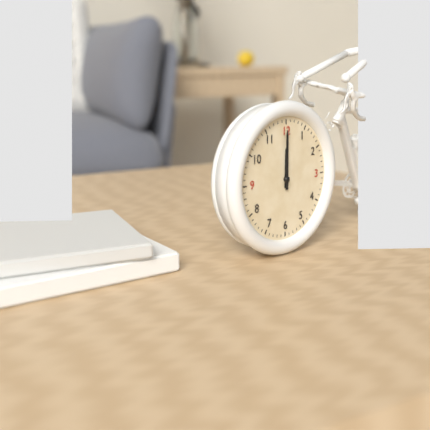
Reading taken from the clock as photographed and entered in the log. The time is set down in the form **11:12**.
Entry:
**12:00**
